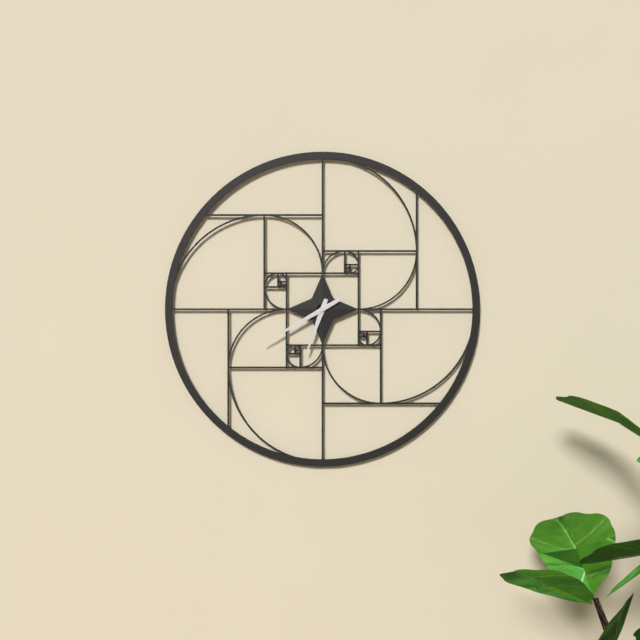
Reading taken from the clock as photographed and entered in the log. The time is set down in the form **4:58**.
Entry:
**6:40**
